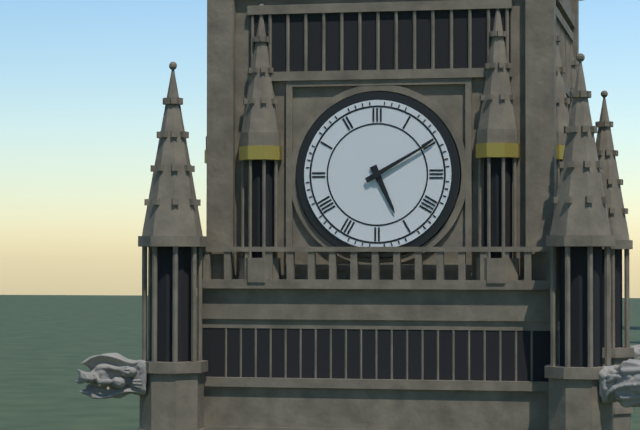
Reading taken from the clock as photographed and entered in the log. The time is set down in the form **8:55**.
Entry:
**5:10**
